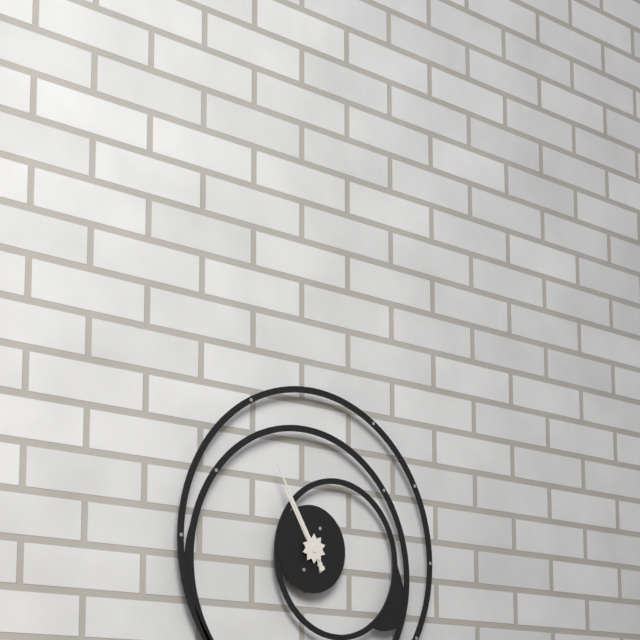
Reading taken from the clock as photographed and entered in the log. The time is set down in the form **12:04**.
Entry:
**10:55**
